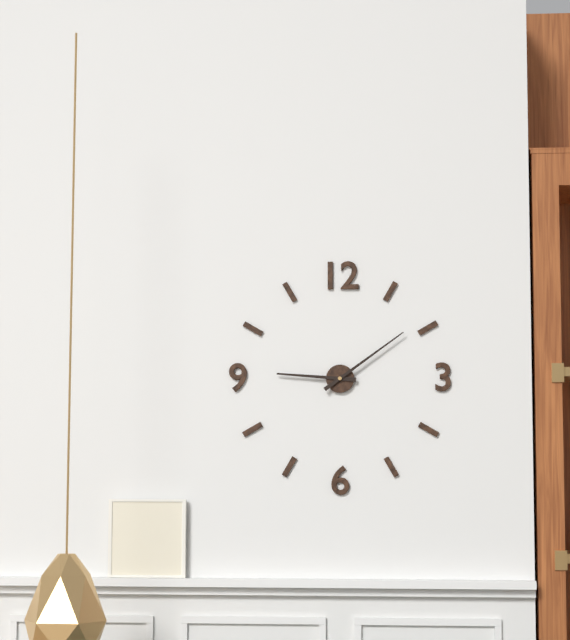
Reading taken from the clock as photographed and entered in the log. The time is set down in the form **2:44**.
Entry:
**9:09**
